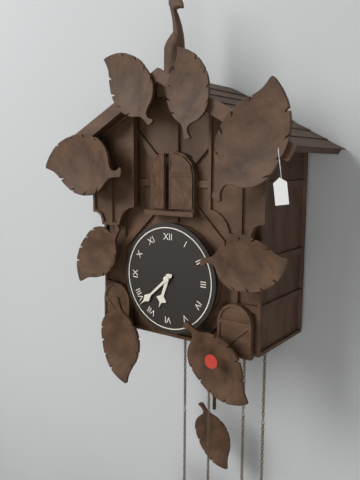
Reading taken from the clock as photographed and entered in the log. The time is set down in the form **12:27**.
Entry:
**6:38**
